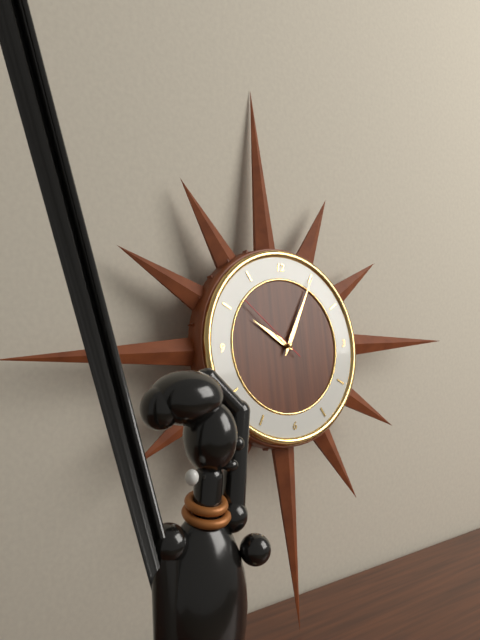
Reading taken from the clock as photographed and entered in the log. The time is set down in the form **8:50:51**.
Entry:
**10:05:52**
